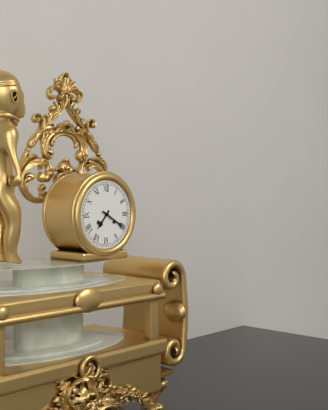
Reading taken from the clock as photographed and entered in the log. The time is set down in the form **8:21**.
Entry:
**7:20**
